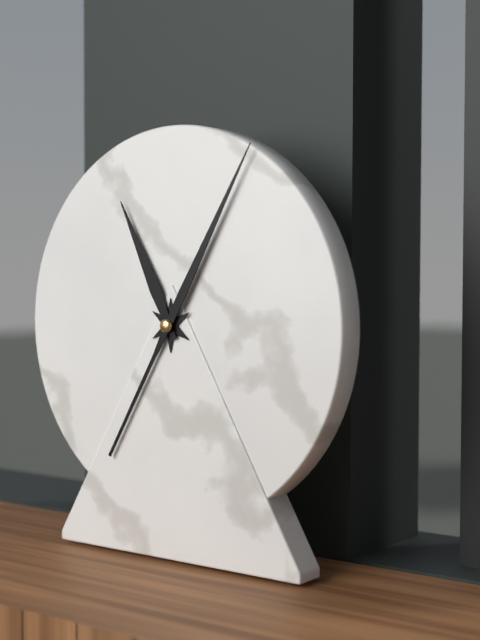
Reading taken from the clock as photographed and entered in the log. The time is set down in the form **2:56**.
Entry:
**11:05**
